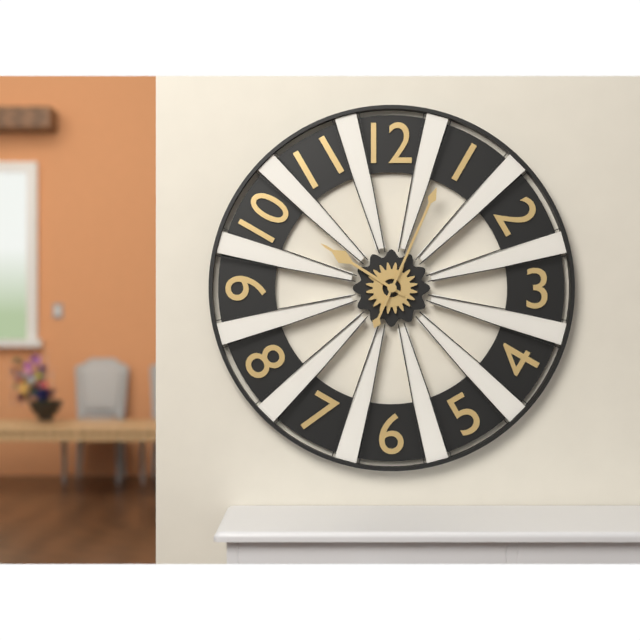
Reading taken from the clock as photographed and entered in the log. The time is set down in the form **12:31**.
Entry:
**10:04**
